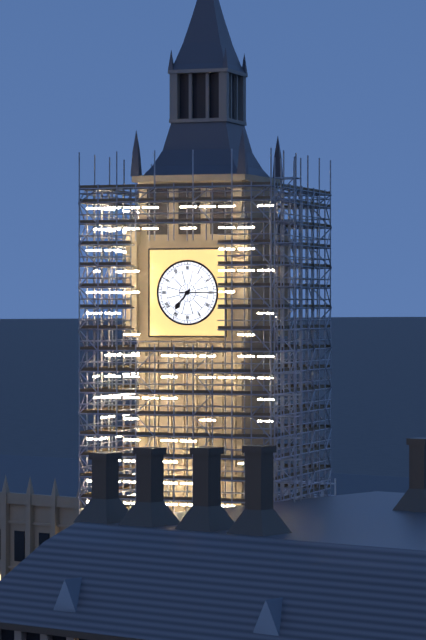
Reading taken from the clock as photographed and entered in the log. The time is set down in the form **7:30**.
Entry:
**7:15**
